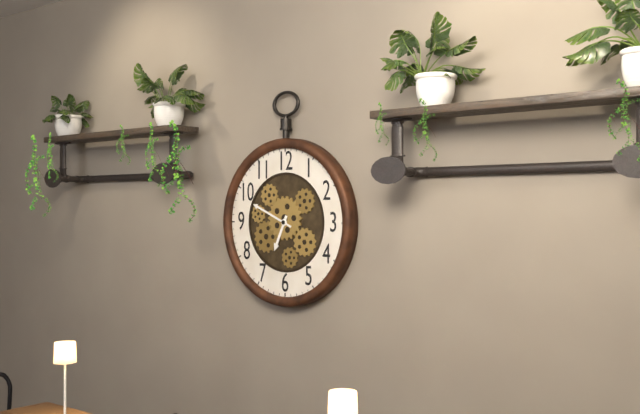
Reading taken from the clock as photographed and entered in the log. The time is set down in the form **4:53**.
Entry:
**6:49**
